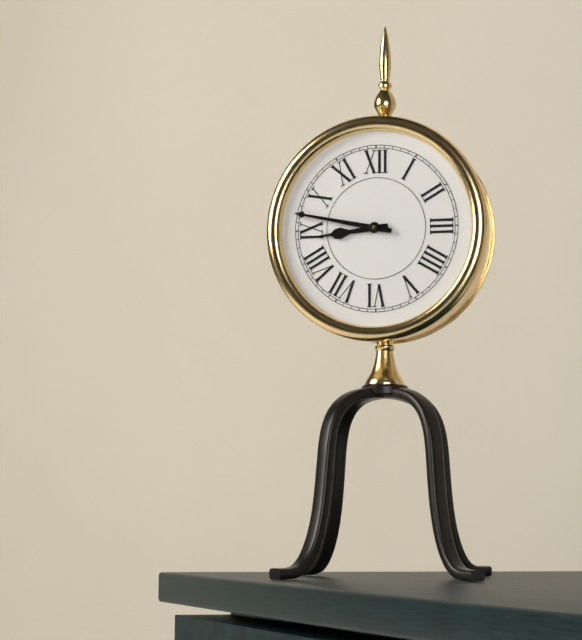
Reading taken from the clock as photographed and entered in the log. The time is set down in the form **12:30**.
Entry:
**8:47**
